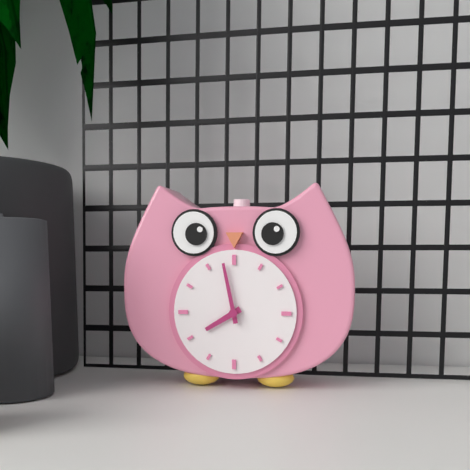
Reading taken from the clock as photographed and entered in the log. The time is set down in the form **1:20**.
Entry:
**7:58**
